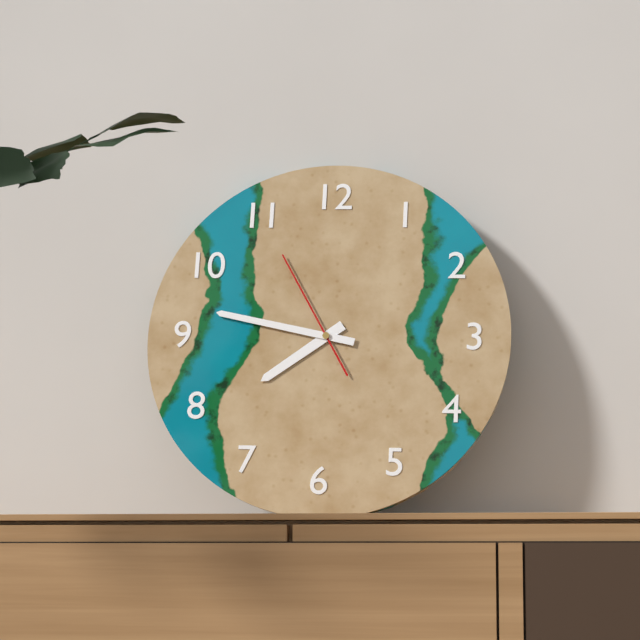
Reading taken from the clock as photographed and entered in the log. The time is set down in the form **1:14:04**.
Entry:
**7:47:55**
